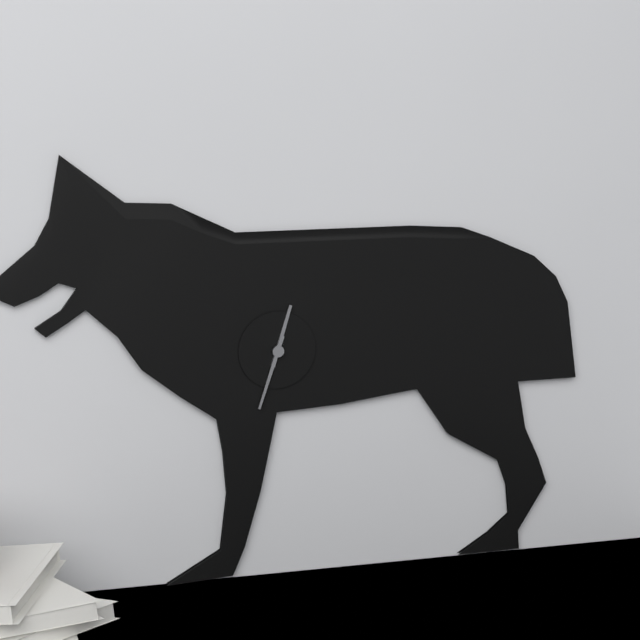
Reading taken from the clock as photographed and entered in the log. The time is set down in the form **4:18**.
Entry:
**12:33**
